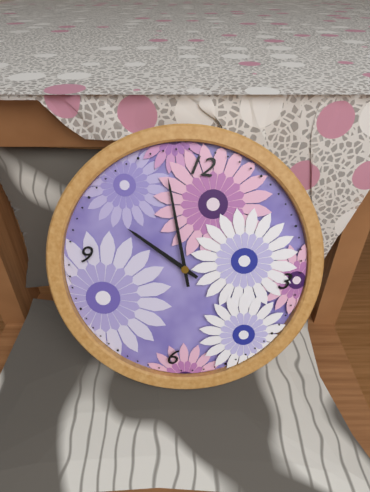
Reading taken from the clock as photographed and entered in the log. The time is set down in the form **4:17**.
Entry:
**9:57**
